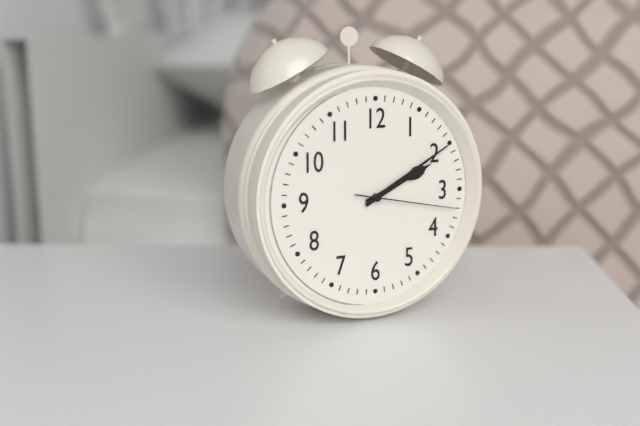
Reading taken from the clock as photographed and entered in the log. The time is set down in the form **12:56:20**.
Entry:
**2:10:17**
